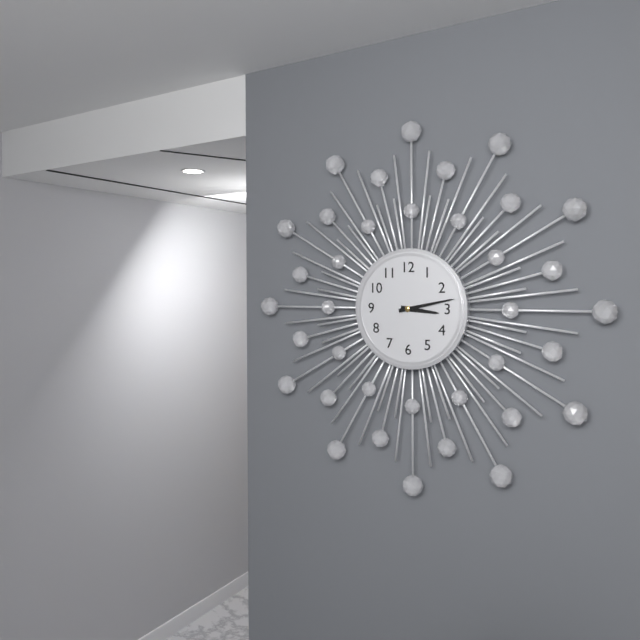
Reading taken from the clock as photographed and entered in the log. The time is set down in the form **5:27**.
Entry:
**3:13**
